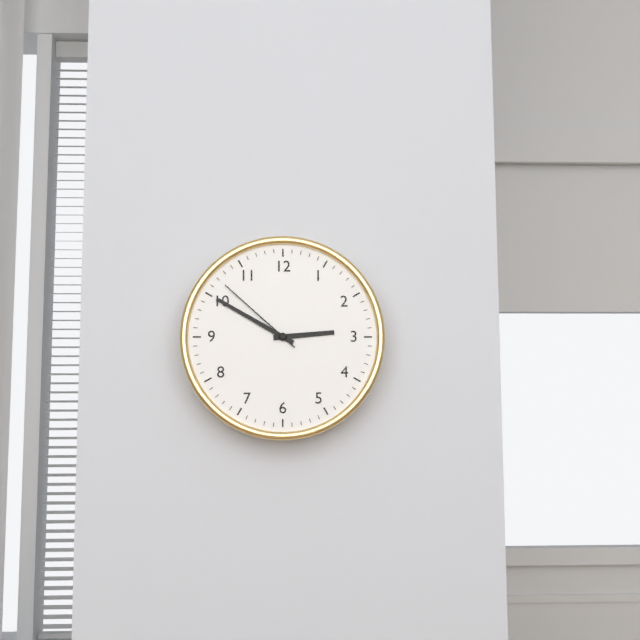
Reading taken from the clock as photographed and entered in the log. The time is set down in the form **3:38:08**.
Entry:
**2:50:52**
